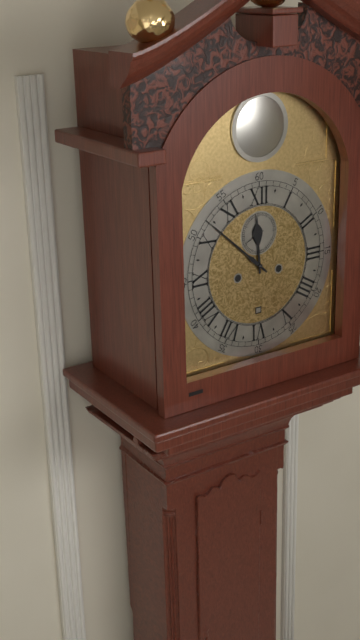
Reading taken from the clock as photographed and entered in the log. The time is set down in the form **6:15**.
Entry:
**11:52**
